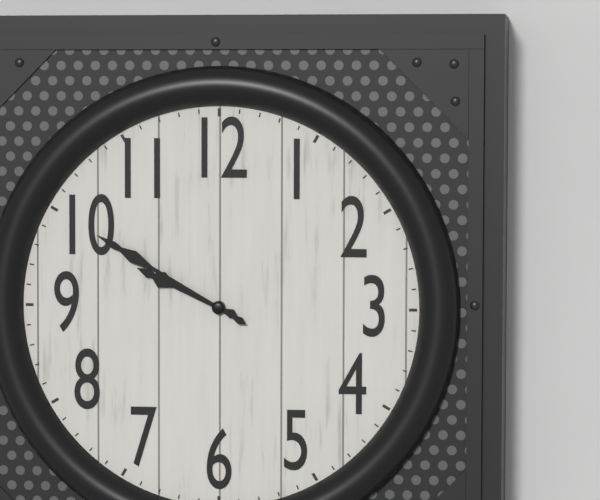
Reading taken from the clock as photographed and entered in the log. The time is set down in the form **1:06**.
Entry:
**9:50**
